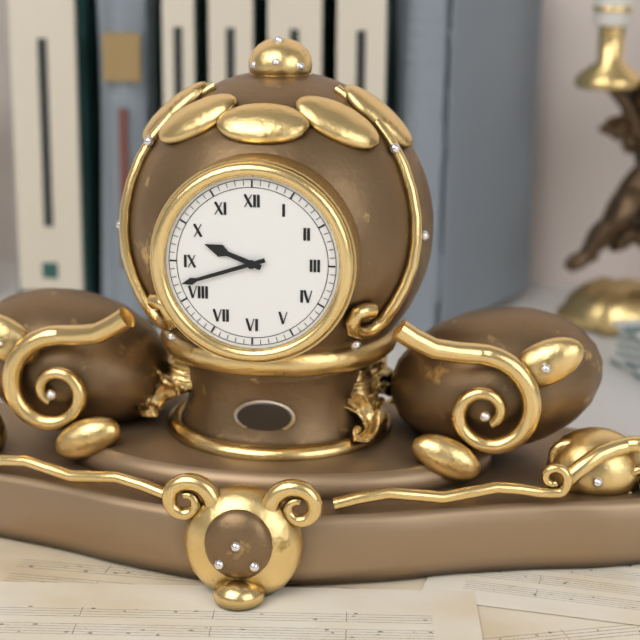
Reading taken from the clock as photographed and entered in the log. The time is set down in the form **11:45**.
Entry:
**9:42**
